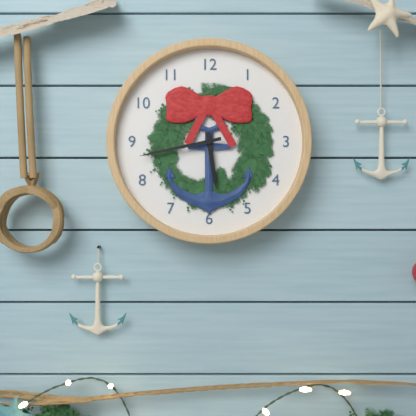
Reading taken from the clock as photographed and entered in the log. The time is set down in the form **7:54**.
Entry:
**5:43**
